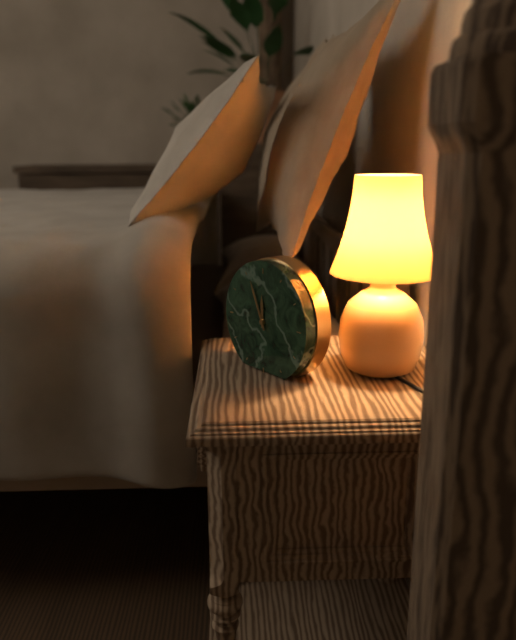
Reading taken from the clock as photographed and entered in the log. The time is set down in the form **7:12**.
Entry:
**11:56**
